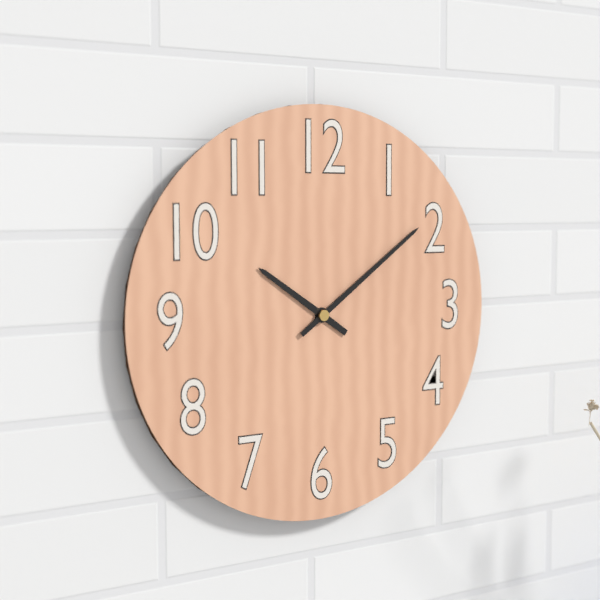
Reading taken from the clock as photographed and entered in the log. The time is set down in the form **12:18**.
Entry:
**10:09**
